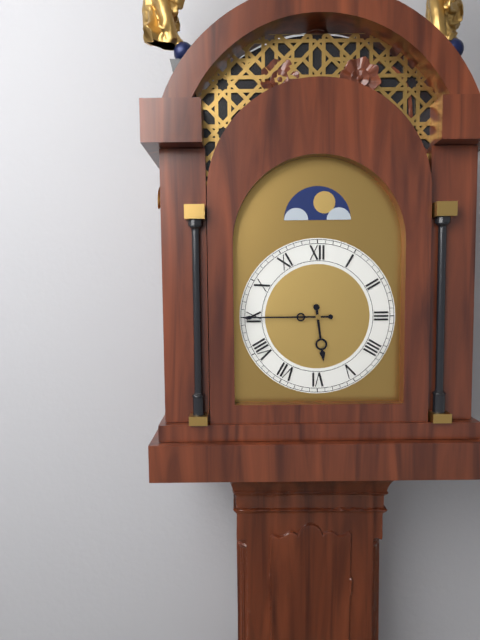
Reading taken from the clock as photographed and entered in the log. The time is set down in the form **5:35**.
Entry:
**5:45**
